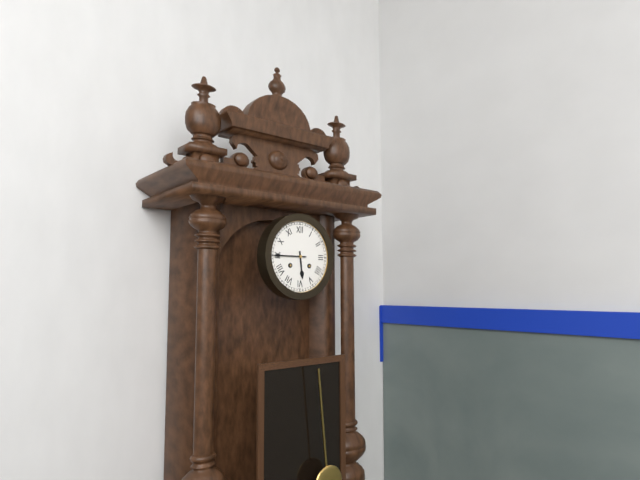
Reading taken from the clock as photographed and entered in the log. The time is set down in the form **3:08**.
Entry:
**5:45**
